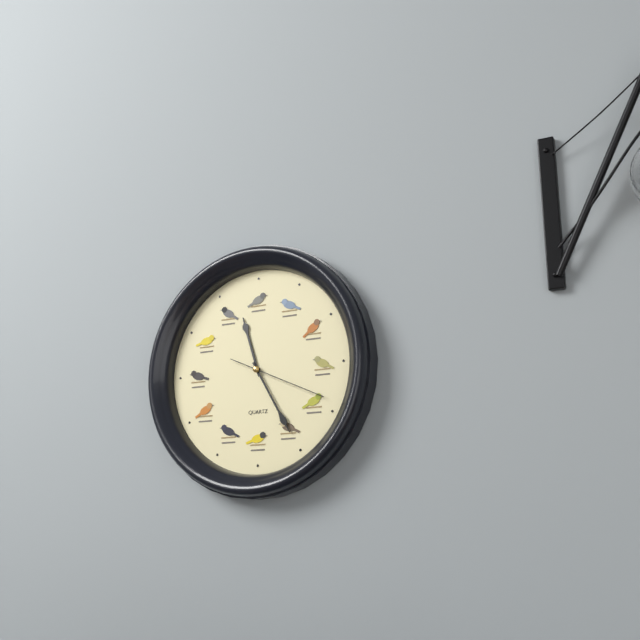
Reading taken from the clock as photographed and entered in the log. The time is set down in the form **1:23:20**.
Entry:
**11:25:19**
